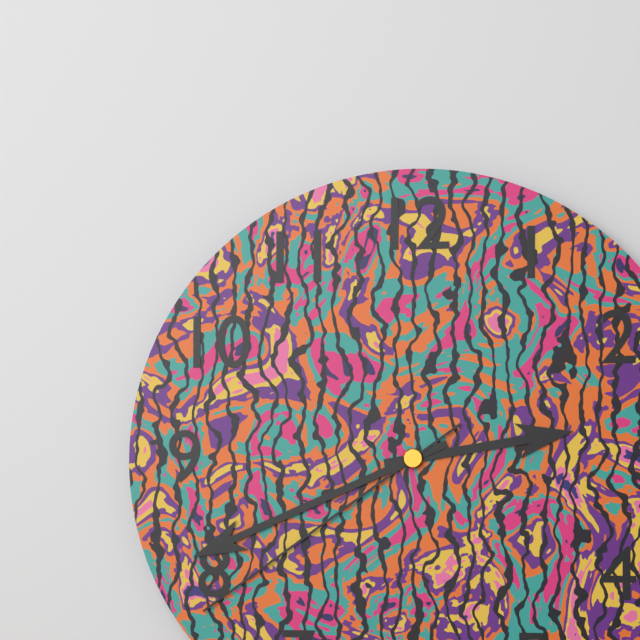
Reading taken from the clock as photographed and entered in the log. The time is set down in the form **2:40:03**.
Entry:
**2:41:39**
